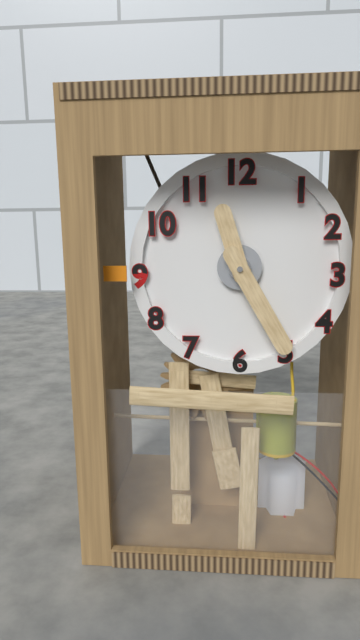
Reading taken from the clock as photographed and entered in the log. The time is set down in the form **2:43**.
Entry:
**11:25**
